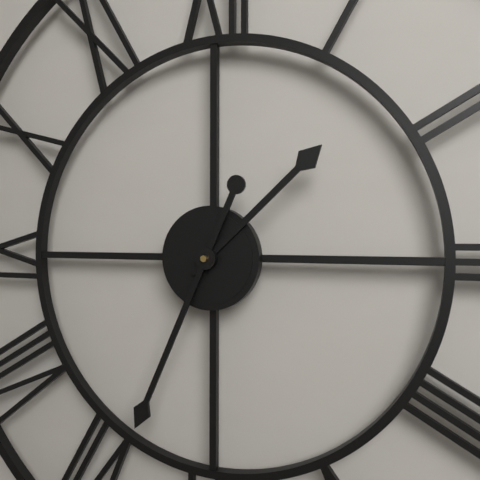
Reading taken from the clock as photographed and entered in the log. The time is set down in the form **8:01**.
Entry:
**1:34**
